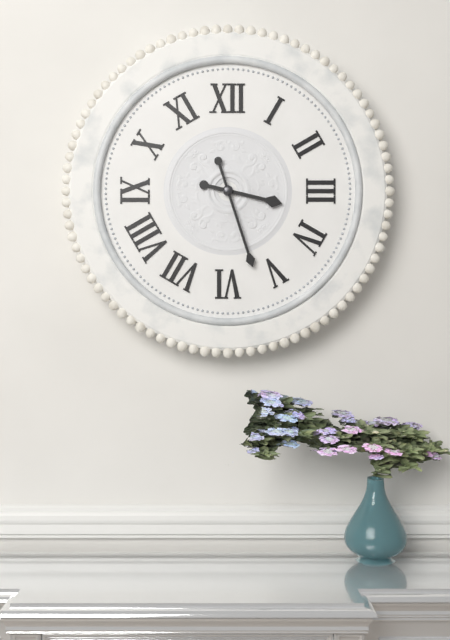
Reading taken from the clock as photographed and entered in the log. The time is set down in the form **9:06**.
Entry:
**3:27**
